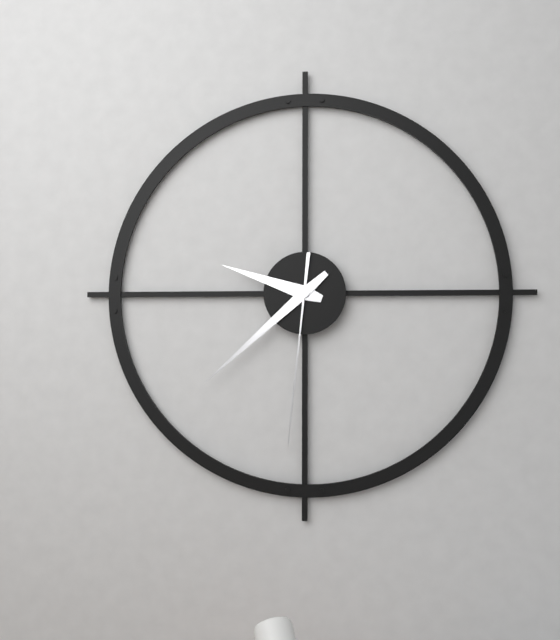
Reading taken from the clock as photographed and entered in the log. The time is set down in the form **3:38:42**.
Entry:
**9:38:31**
